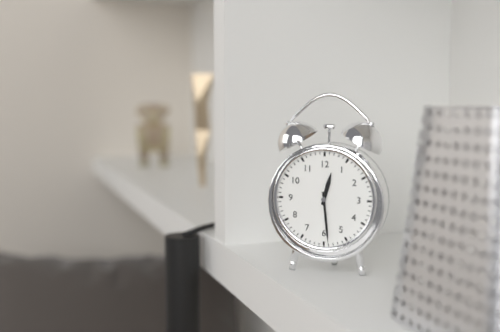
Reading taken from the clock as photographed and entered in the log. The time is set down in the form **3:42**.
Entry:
**12:29**
